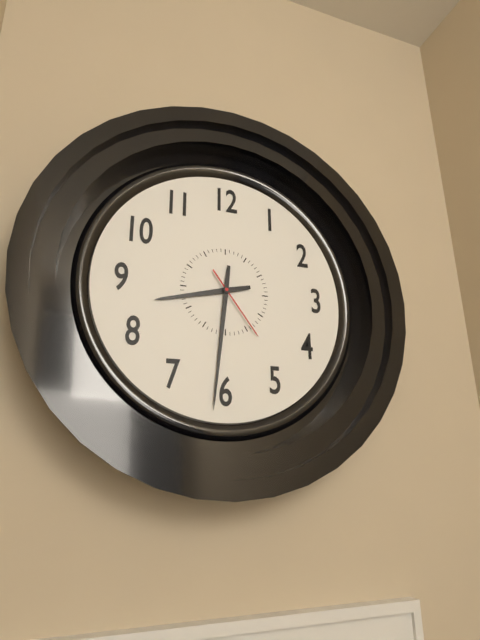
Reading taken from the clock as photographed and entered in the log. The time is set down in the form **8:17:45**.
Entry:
**8:31:24**
